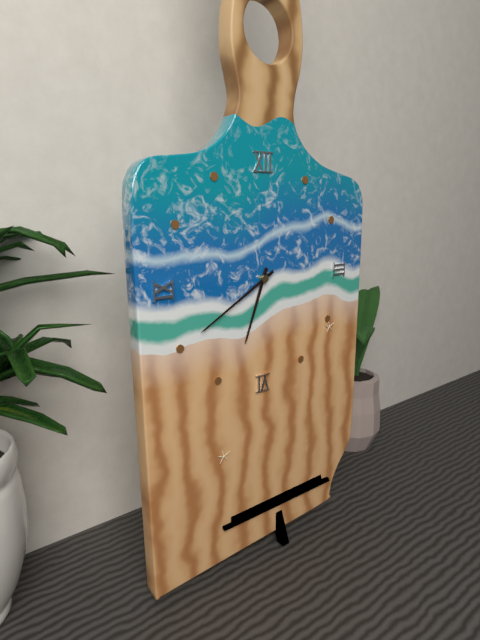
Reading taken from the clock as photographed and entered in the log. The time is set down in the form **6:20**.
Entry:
**6:40**
